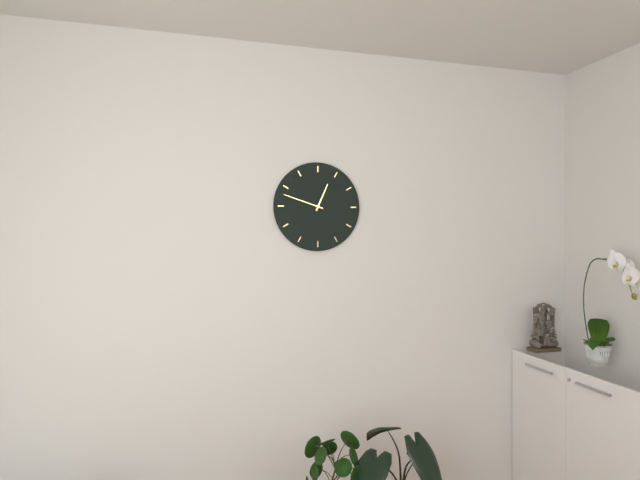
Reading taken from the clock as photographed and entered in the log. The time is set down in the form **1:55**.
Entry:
**12:48**
